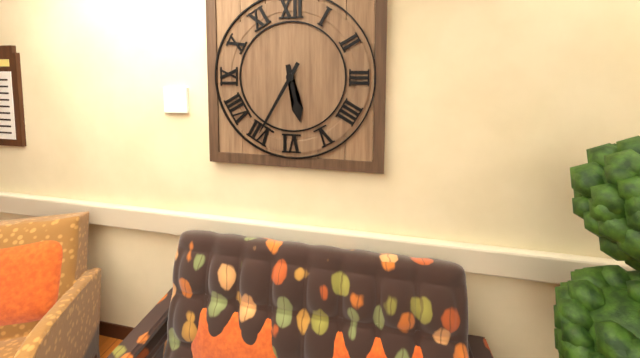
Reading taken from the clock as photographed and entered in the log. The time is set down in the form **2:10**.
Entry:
**5:35**
